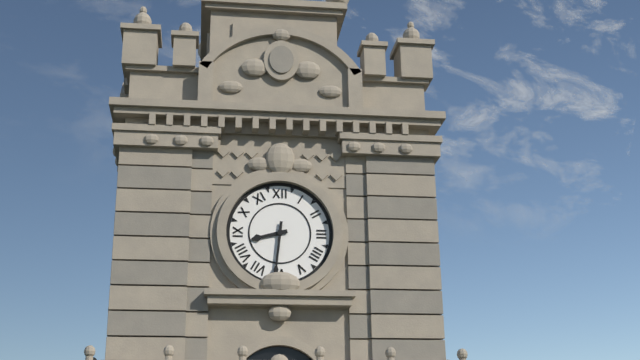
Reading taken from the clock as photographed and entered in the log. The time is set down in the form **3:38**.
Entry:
**8:31**
